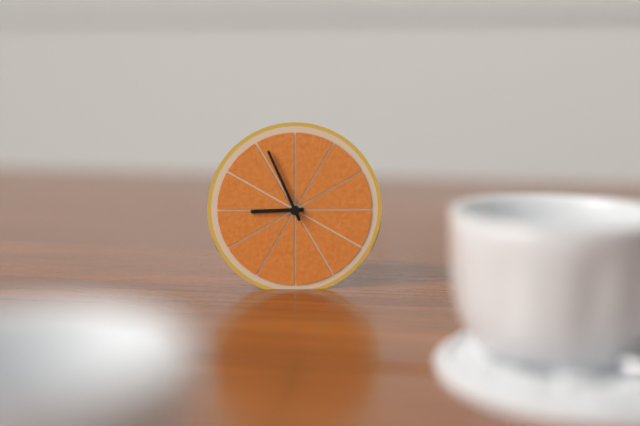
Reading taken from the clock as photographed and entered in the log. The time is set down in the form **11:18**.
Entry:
**8:56**
